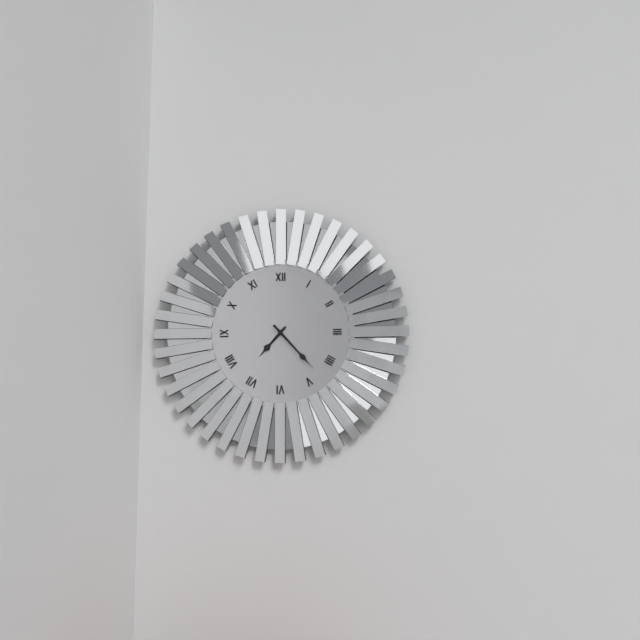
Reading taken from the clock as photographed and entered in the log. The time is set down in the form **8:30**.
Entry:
**7:23**
